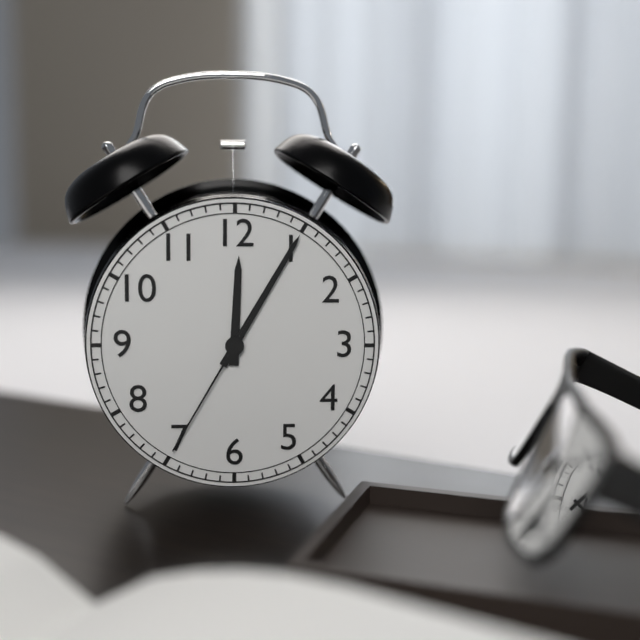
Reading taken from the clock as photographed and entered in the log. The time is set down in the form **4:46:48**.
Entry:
**12:05:35**
